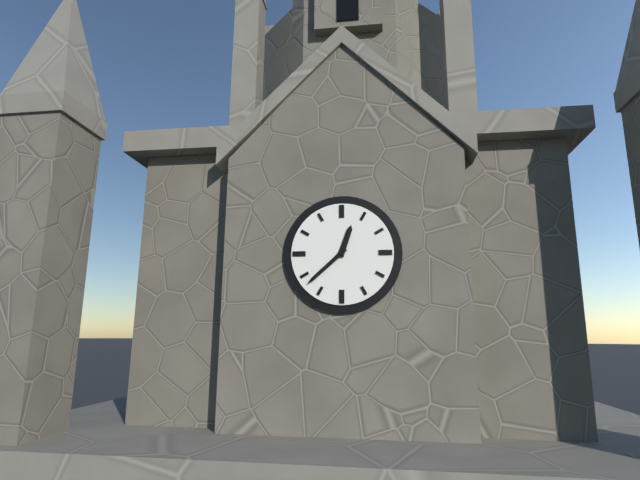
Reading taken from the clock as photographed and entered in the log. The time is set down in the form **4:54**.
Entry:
**12:38**
